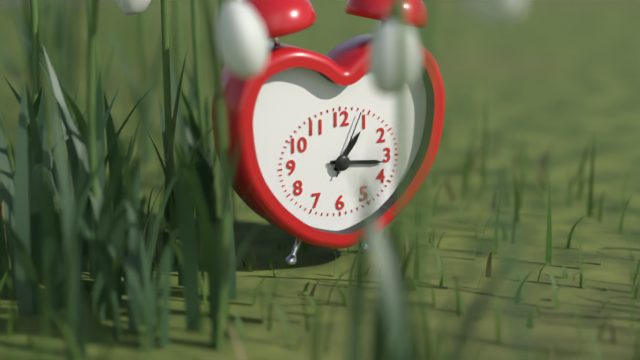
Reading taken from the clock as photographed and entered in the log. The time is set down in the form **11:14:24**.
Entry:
**1:16:04**
